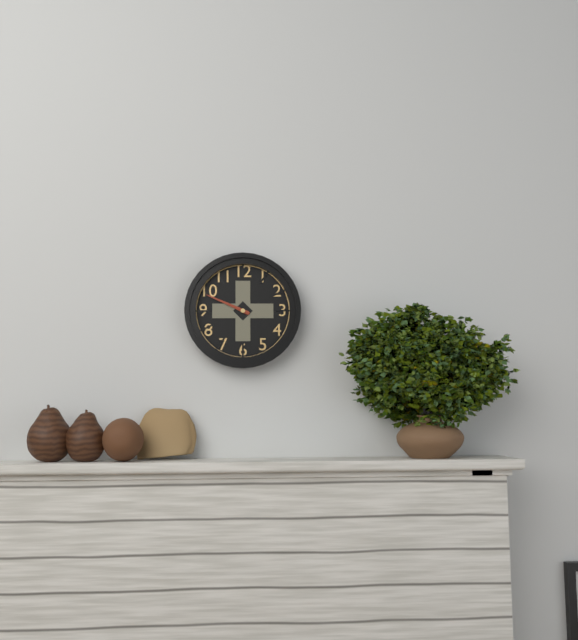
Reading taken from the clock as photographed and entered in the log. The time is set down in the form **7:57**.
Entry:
**9:49**
